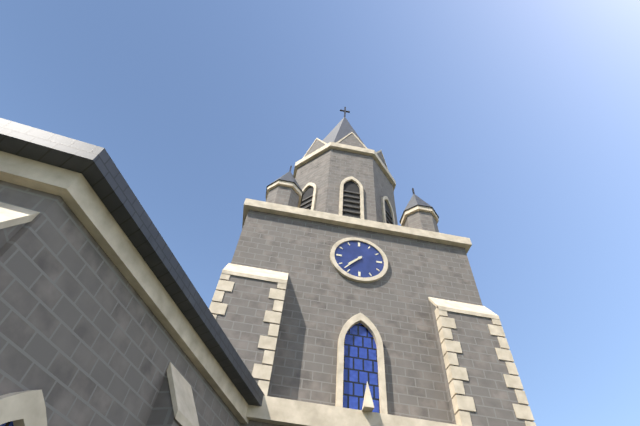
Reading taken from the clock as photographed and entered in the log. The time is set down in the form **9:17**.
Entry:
**7:37**
